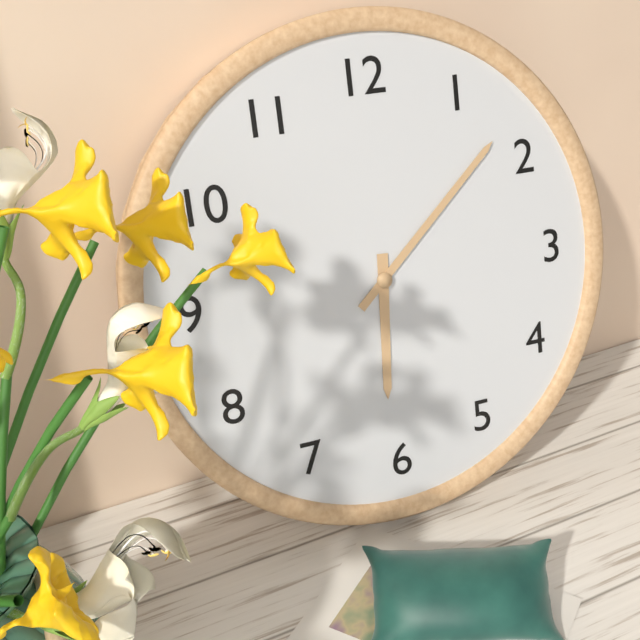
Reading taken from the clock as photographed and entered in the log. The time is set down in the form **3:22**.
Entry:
**6:08**
